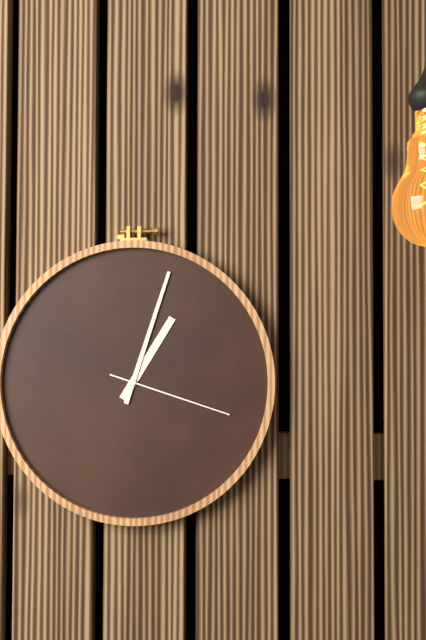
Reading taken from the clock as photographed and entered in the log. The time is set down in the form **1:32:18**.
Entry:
**1:03:18**
